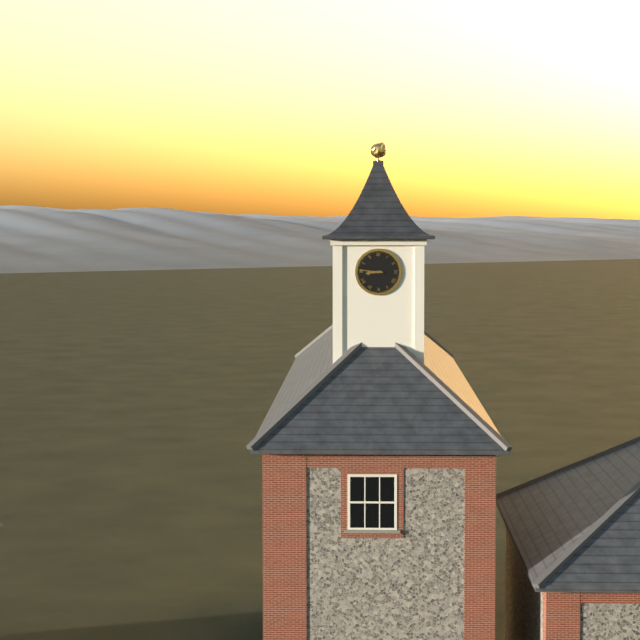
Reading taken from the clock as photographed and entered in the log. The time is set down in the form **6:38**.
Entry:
**8:46**
